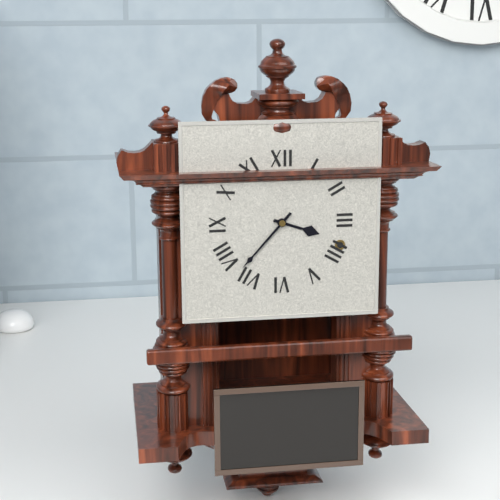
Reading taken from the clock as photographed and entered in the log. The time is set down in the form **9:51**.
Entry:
**3:37**
